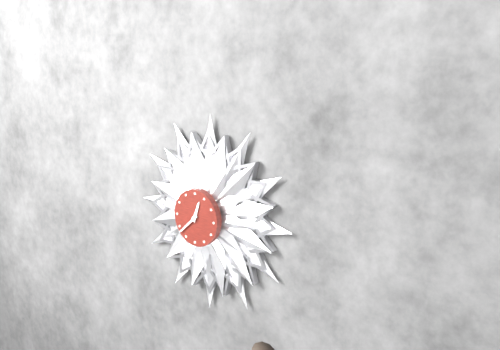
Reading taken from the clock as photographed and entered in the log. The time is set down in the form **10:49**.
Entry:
**12:38**
